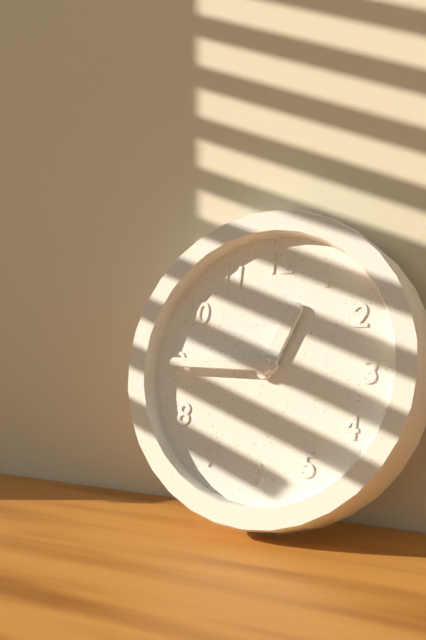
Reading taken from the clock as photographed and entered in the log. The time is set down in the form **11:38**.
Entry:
**12:45**
